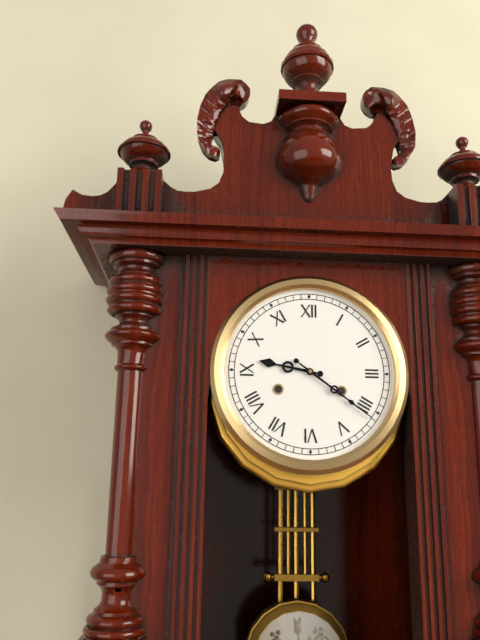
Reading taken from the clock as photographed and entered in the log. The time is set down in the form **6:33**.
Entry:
**9:21**
